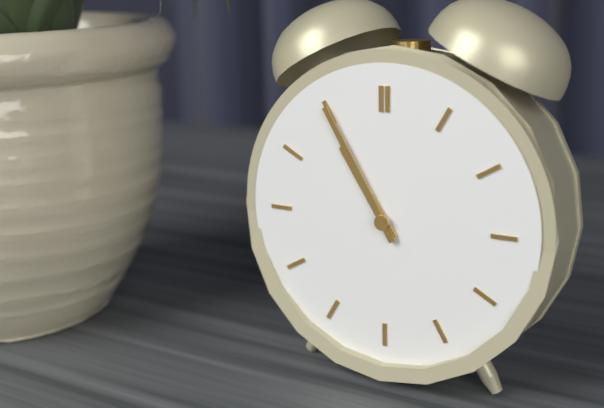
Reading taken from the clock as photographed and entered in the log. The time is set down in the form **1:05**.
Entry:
**10:55**
